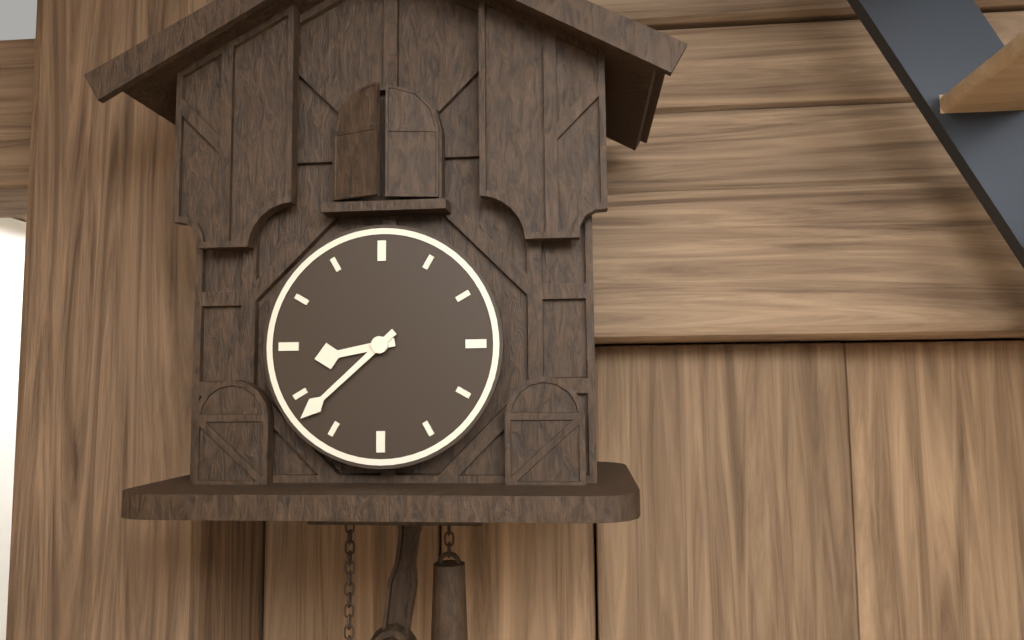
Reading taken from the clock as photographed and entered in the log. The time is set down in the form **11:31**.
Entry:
**8:38**
